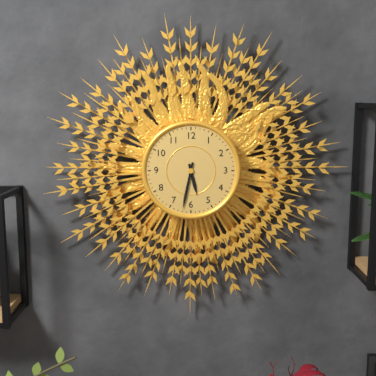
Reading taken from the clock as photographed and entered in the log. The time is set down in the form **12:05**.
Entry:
**5:32**
